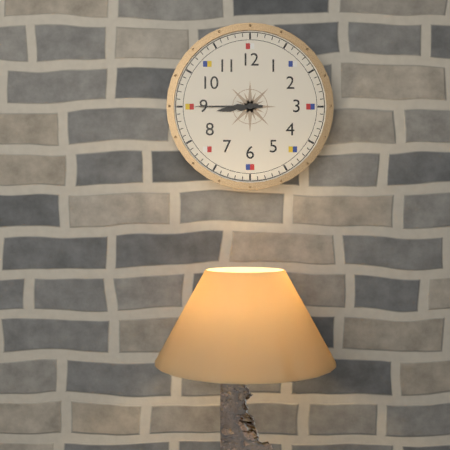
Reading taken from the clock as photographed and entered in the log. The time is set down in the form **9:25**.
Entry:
**8:45**
